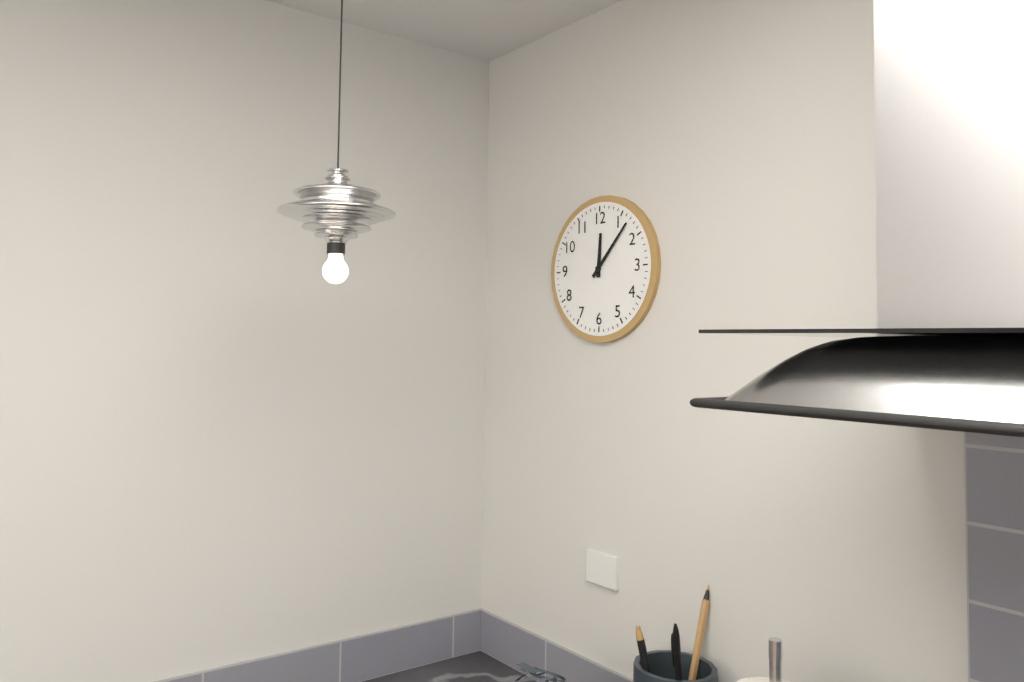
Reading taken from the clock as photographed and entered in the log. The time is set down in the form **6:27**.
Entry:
**12:07**
